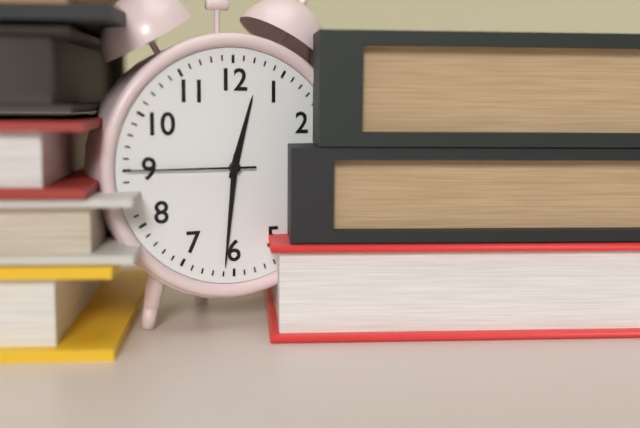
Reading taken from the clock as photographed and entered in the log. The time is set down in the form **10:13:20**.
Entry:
**12:31:45**
